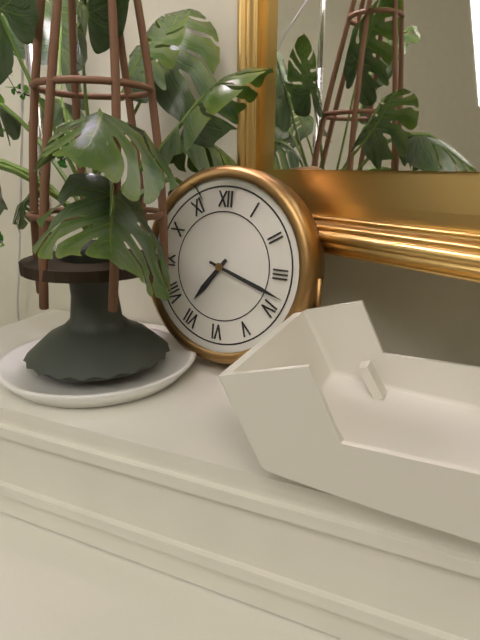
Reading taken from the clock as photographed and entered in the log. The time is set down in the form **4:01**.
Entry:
**7:18**
